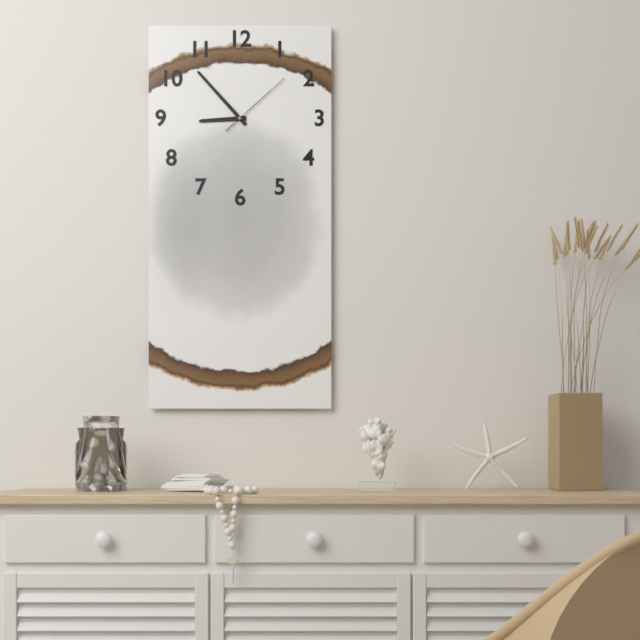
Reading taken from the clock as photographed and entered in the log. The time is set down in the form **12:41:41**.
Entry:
**8:53:08**
